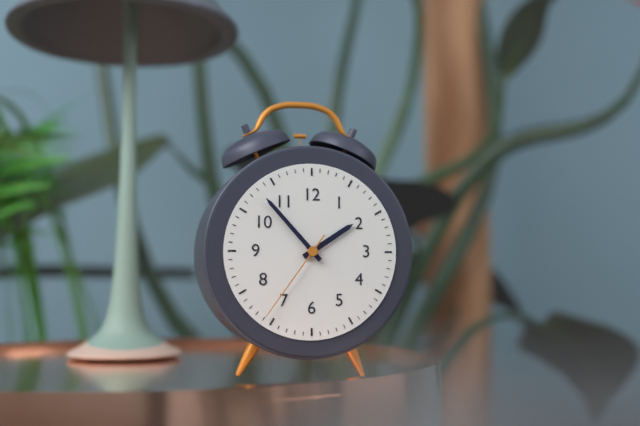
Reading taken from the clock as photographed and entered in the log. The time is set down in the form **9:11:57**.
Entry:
**1:53:36**
